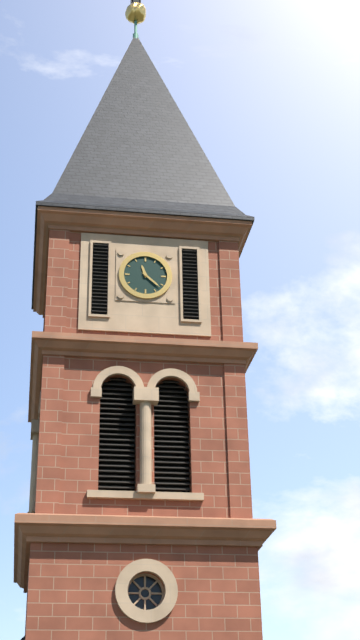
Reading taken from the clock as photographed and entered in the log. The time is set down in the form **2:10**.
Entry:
**11:22**
